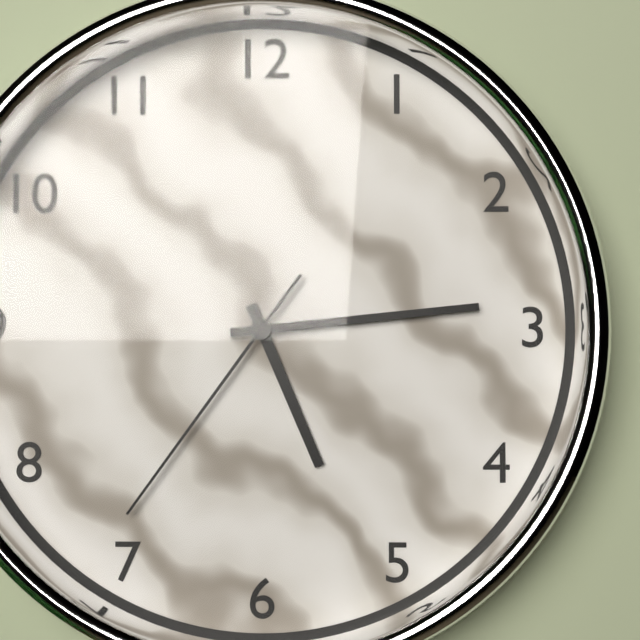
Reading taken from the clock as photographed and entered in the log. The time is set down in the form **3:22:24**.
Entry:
**5:14:36**
